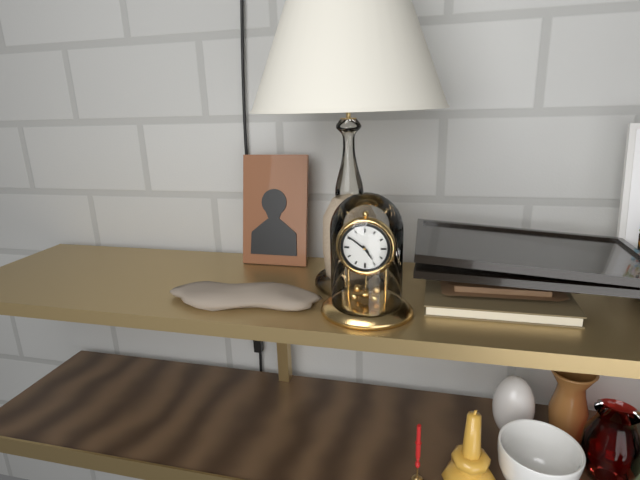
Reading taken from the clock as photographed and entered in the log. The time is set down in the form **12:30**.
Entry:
**4:51**
